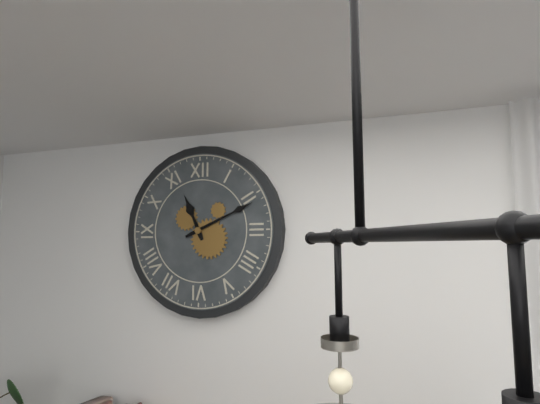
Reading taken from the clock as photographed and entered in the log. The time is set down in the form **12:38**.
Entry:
**11:11**
